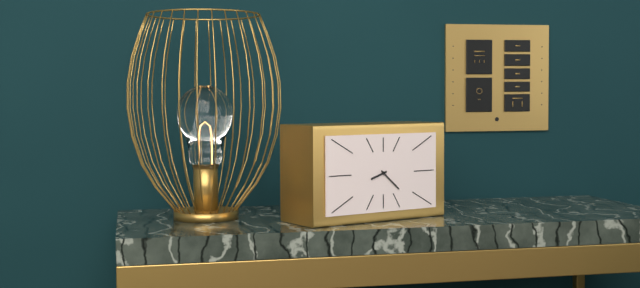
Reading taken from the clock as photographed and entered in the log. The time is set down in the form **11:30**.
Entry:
**8:22**
